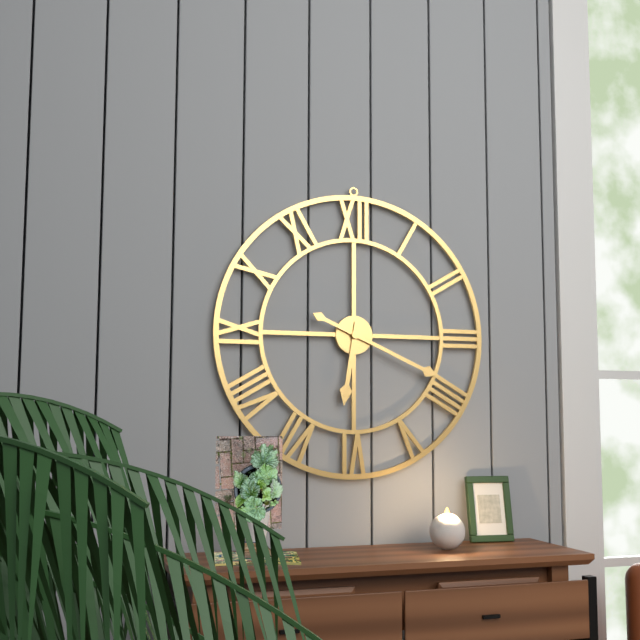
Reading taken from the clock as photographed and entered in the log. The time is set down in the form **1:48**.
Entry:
**6:19**
